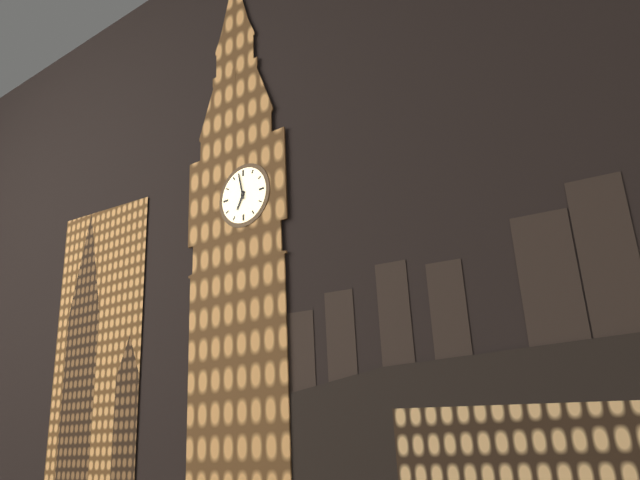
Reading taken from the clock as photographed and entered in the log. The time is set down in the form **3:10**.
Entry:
**6:58**
